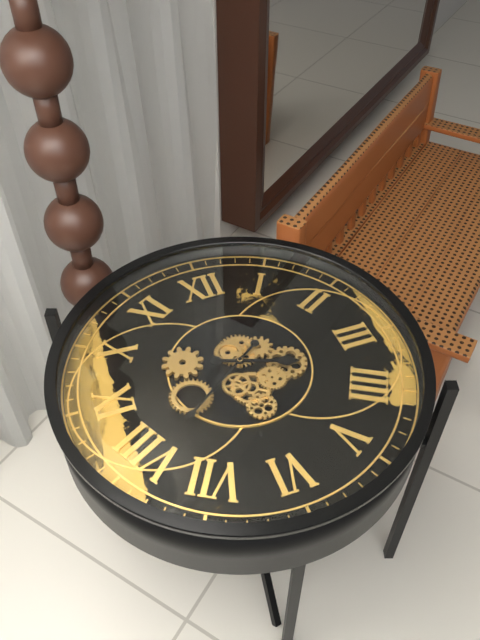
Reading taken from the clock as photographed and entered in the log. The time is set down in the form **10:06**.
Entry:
**3:39**
